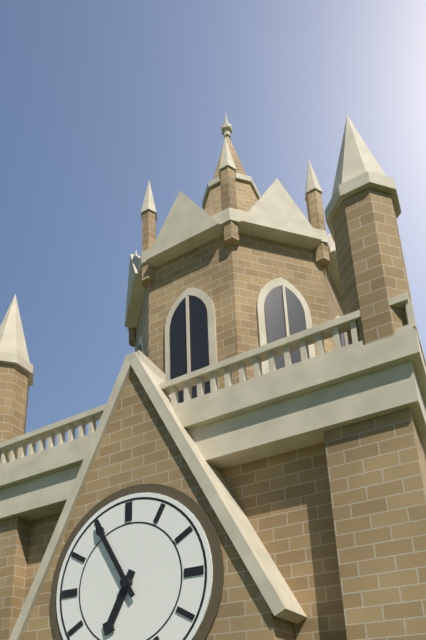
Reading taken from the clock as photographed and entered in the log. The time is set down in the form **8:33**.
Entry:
**6:55**
